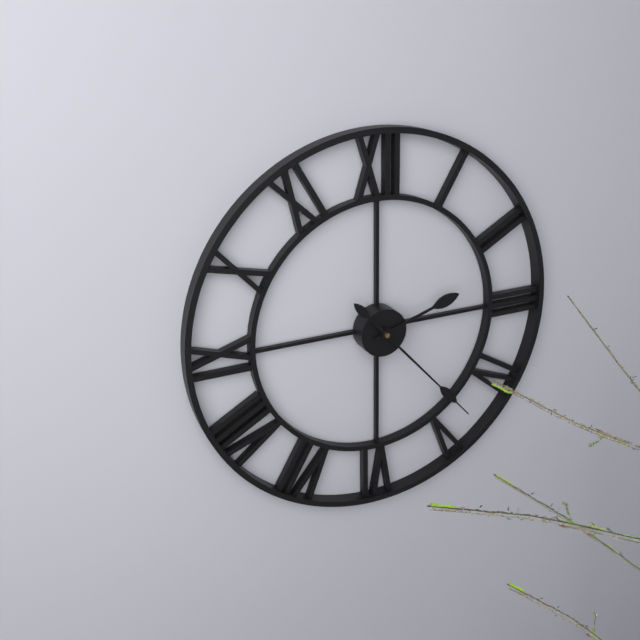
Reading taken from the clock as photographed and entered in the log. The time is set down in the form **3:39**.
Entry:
**2:23**
